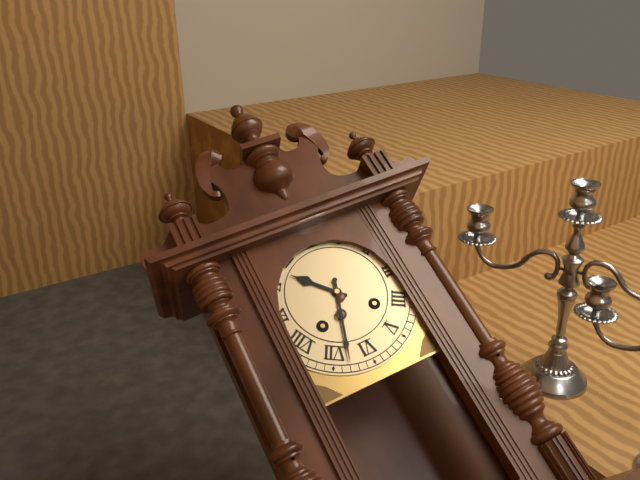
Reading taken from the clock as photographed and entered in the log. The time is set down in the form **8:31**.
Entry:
**10:33**
